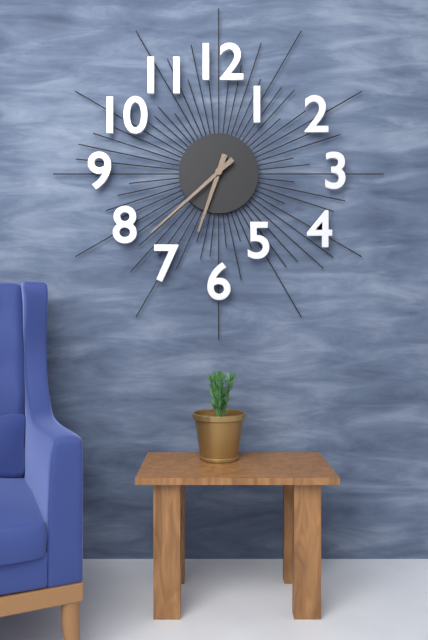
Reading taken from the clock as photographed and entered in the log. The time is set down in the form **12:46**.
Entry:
**6:38**
